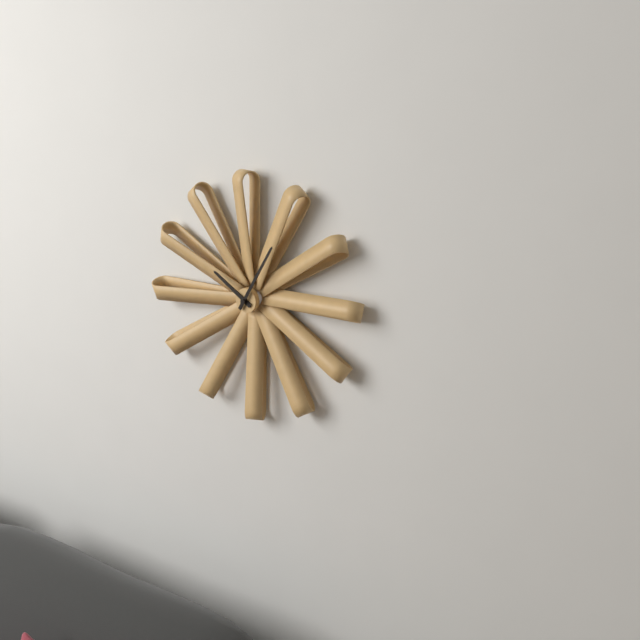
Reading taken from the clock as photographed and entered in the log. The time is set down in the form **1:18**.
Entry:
**10:05**
